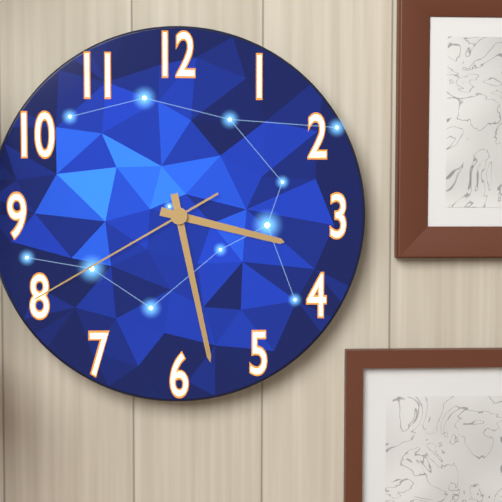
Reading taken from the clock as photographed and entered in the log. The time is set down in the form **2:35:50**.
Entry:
**3:28:40**
